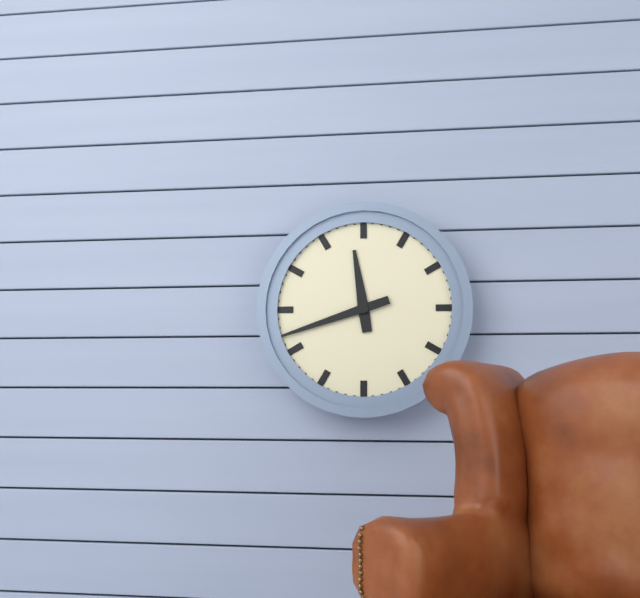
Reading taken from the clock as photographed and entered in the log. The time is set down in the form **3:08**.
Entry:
**11:42**
